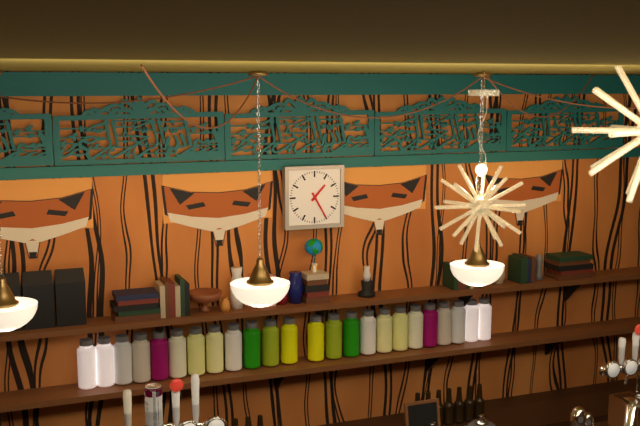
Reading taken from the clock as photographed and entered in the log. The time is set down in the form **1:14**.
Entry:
**1:25**
